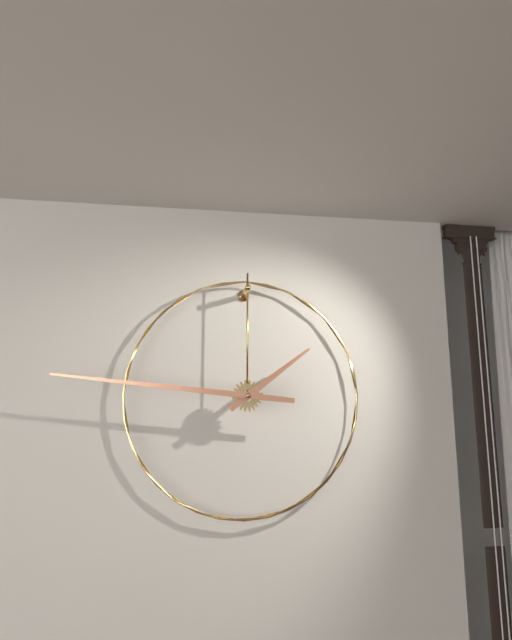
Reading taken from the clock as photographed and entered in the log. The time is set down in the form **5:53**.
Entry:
**1:46**
